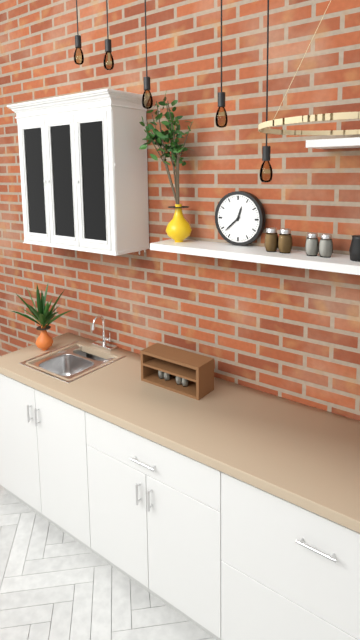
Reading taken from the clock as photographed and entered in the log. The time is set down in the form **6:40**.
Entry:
**12:38**
